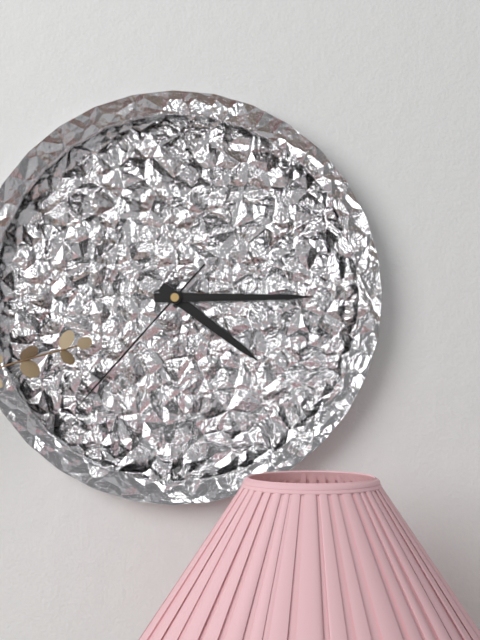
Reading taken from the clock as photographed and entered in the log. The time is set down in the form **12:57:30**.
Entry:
**4:15:37**
